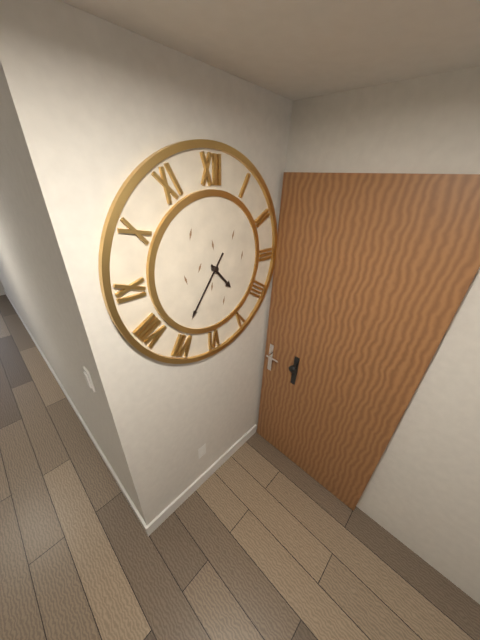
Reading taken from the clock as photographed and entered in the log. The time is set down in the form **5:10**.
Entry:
**4:36**
